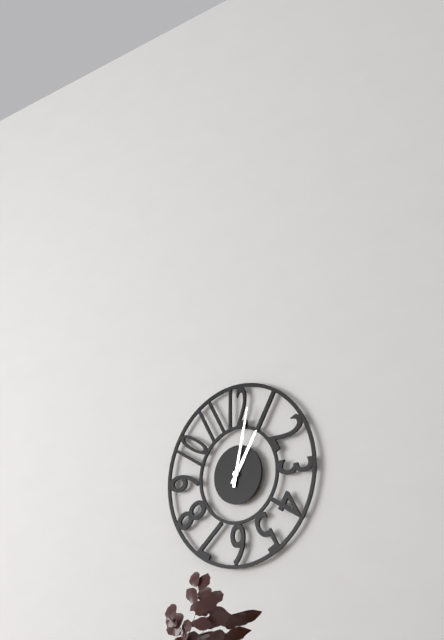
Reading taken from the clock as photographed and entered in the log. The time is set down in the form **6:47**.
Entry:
**1:02**
